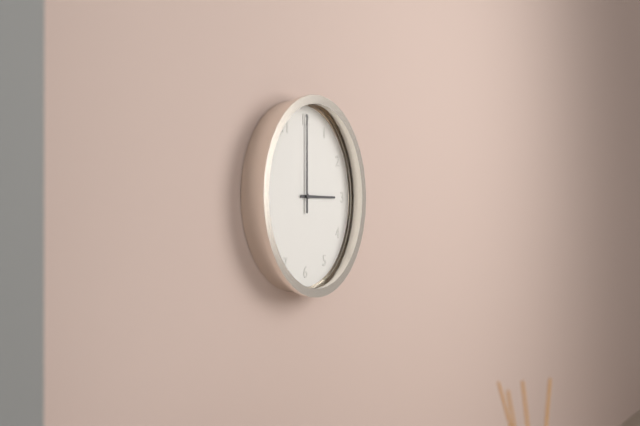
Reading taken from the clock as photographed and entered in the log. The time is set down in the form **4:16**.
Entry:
**3:00**
